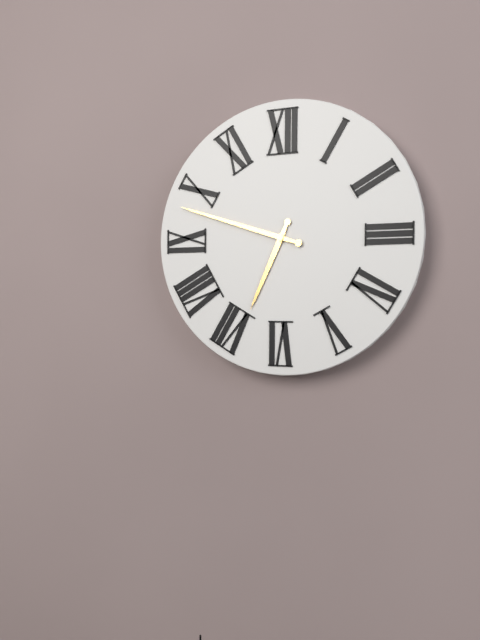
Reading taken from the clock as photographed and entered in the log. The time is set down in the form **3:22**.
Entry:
**6:48**
